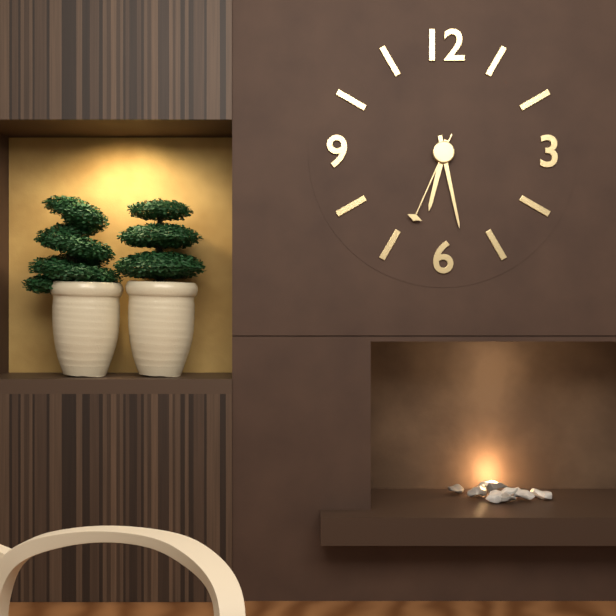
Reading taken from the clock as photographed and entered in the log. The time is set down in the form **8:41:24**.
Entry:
**6:28:34**
